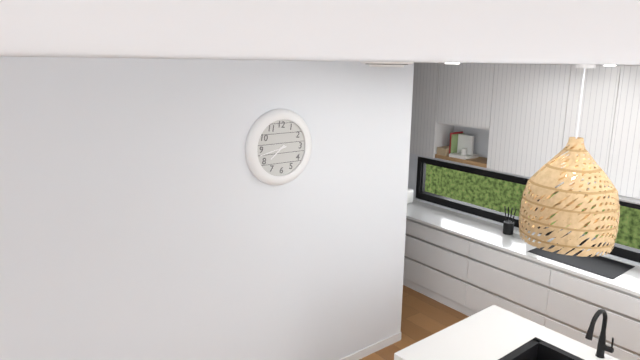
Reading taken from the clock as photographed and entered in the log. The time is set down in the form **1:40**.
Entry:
**7:43**
